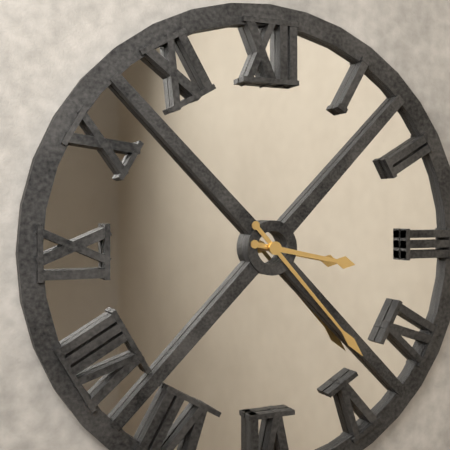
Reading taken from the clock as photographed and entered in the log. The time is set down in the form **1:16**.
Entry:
**3:23**
